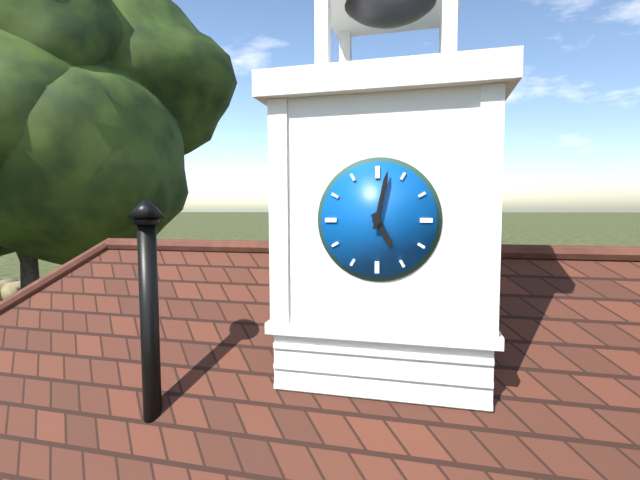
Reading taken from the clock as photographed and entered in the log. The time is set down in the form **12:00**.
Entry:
**5:02**
